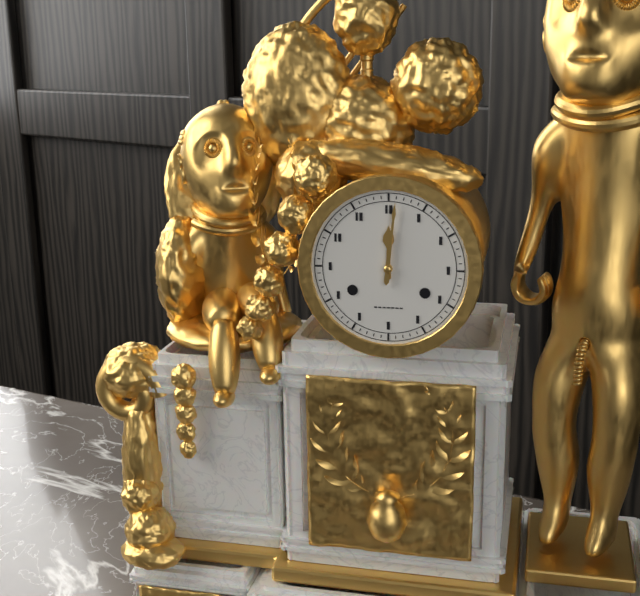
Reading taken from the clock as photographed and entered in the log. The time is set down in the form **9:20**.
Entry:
**12:01**
